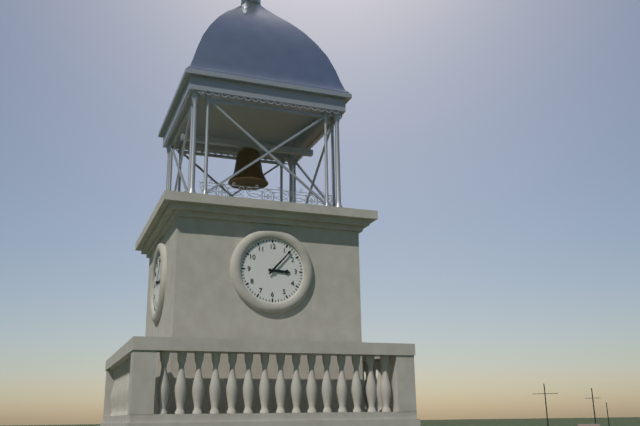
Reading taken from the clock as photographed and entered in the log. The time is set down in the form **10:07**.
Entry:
**3:07**
